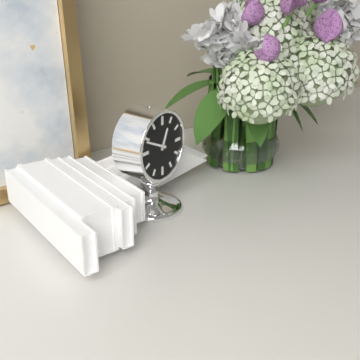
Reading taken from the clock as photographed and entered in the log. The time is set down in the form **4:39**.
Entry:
**12:49**
